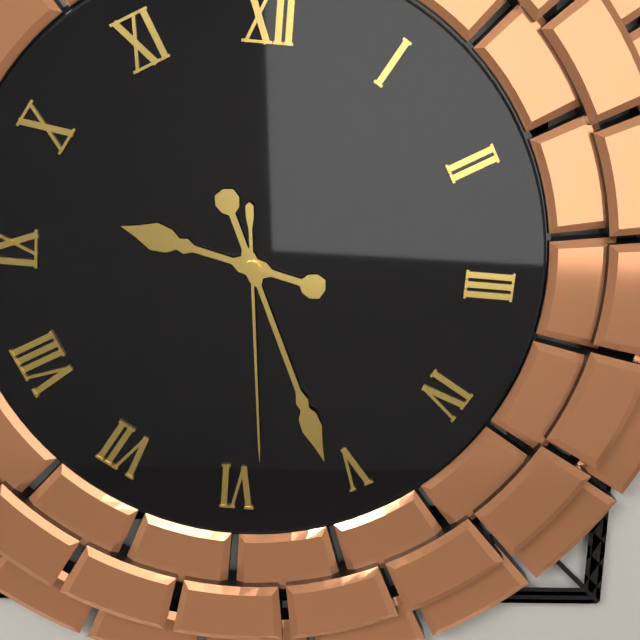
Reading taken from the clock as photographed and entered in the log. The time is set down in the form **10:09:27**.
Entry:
**9:26:29**
